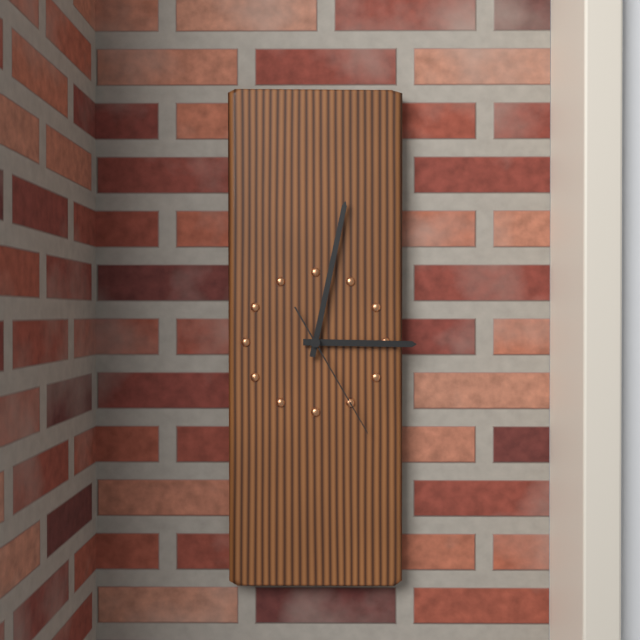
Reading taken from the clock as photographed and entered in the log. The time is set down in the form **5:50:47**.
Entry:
**3:02:25**
